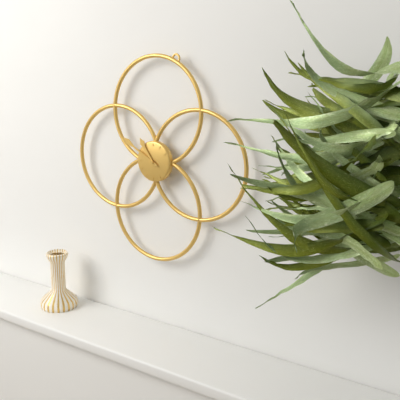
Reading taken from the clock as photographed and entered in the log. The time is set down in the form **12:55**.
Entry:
**10:50**
